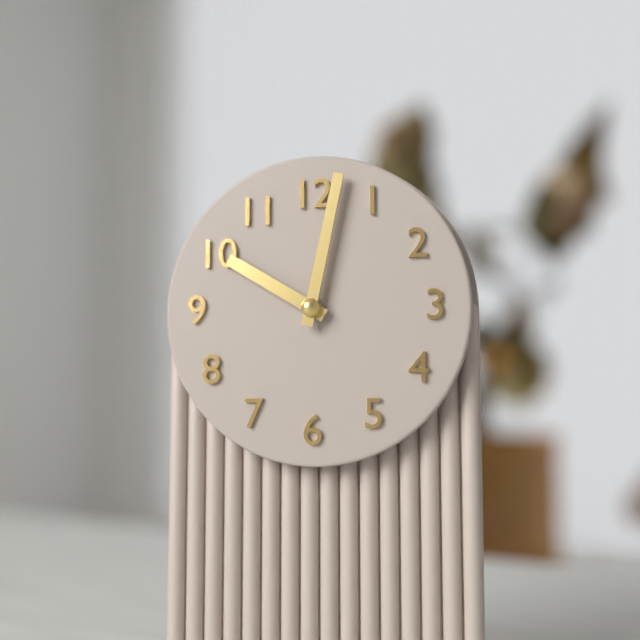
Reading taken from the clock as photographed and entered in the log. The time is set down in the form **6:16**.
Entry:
**10:02**
